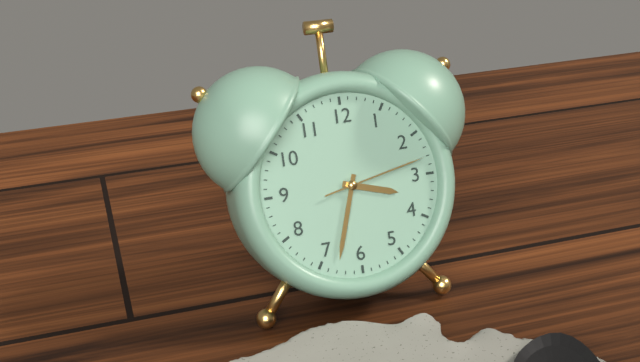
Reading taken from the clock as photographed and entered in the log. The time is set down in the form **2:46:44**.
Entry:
**3:33:13**
